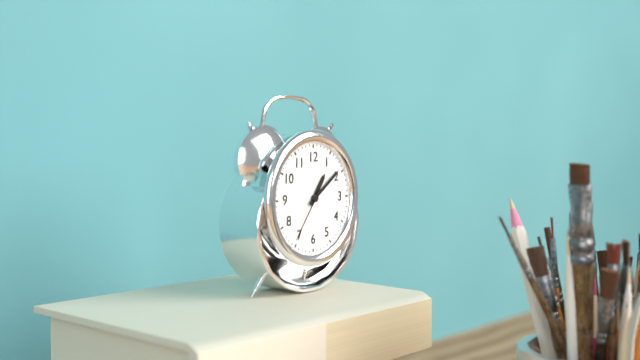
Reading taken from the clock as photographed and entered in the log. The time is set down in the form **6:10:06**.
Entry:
**1:09:36**
